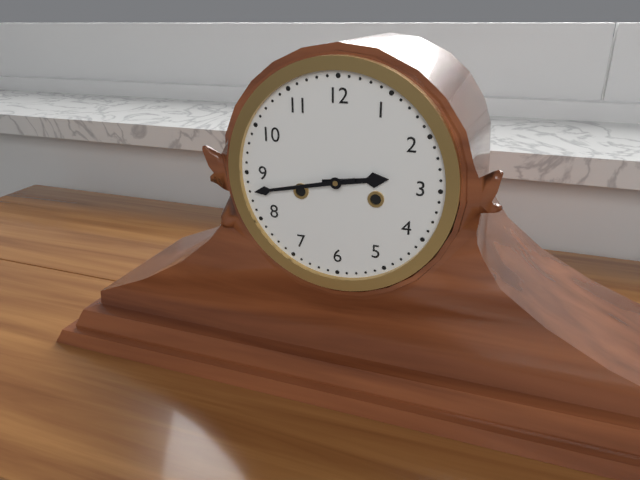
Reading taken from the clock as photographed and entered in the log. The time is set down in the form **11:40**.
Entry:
**2:43**
